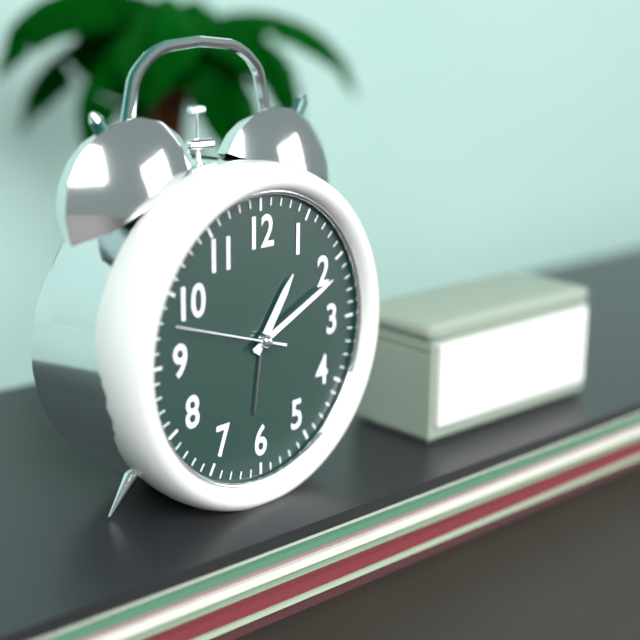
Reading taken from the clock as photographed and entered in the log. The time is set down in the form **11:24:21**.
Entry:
**1:11:48**
